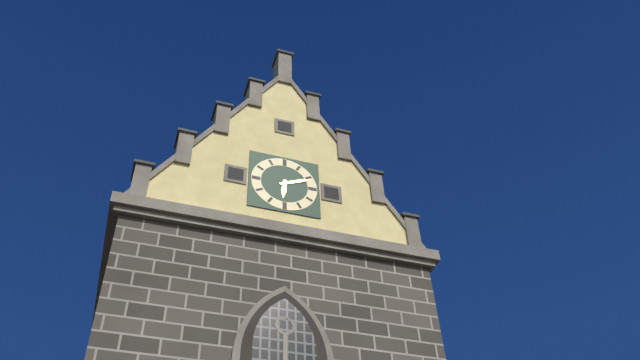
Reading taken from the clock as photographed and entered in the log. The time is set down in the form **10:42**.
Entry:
**6:11**
